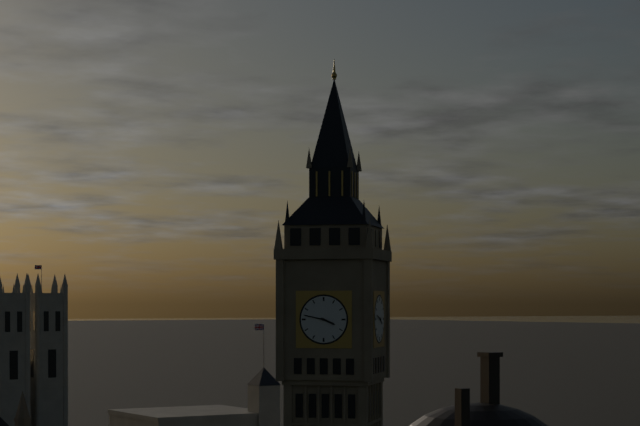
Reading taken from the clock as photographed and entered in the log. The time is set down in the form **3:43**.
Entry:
**3:47**
